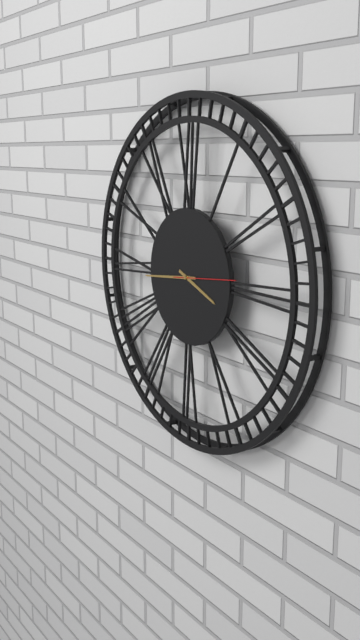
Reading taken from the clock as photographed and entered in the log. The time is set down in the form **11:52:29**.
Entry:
**3:44:14**
